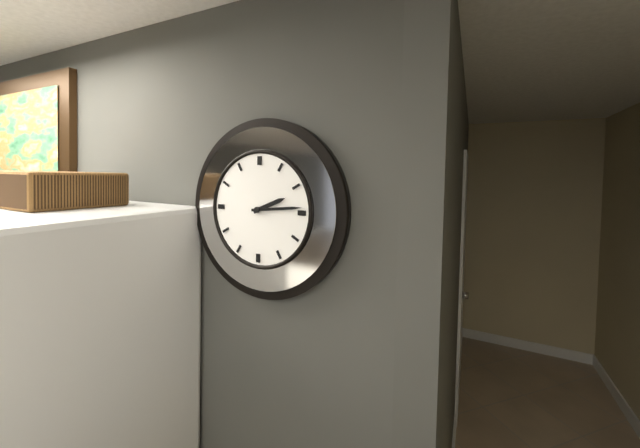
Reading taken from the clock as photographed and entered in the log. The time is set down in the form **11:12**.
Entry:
**2:14**
